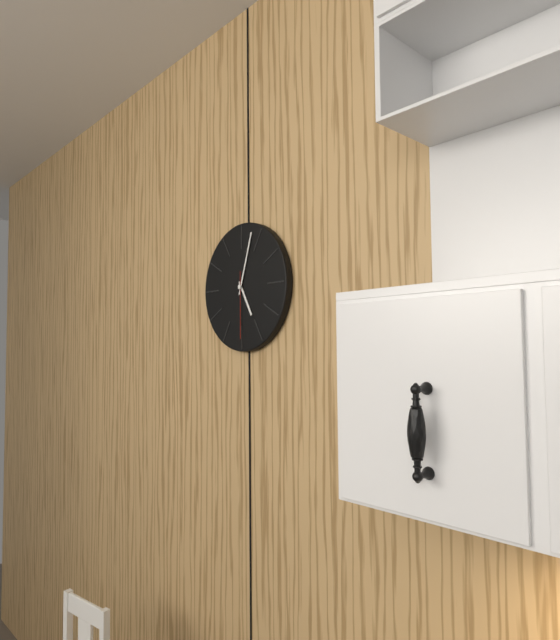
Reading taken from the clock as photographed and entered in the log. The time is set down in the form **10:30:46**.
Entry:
**5:03:30**
